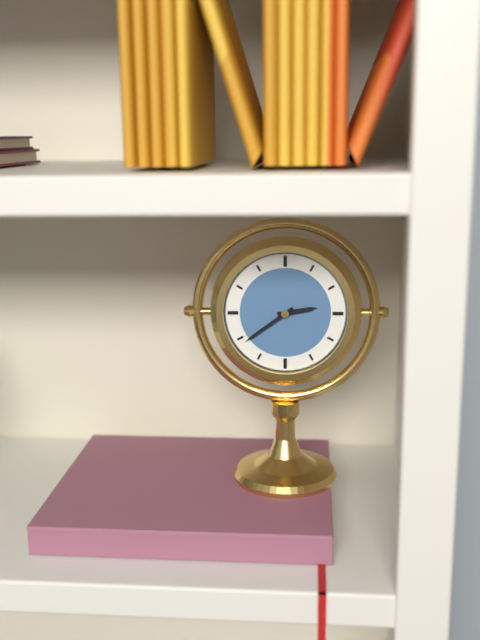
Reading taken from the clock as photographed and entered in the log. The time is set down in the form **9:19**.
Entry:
**2:39**
